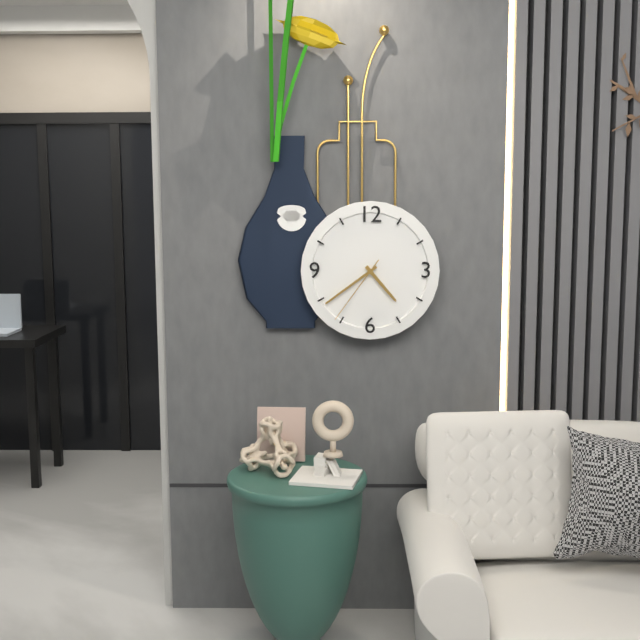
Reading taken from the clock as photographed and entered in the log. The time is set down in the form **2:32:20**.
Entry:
**4:39:36**
